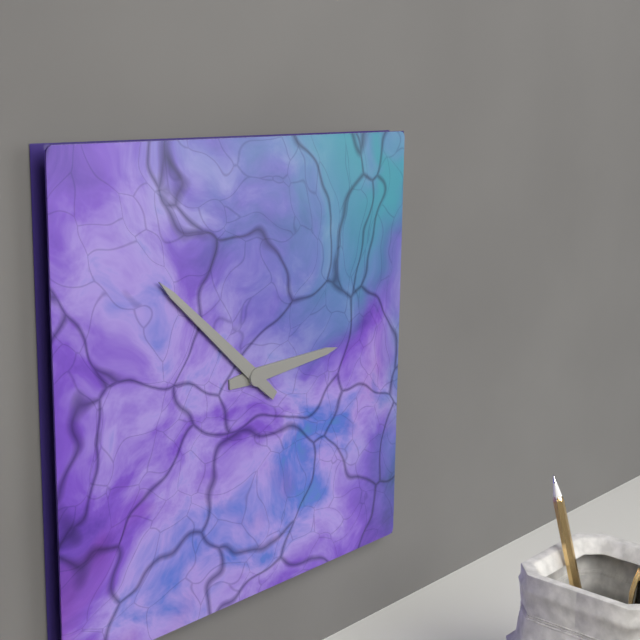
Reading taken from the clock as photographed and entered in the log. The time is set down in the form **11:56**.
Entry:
**2:52**
